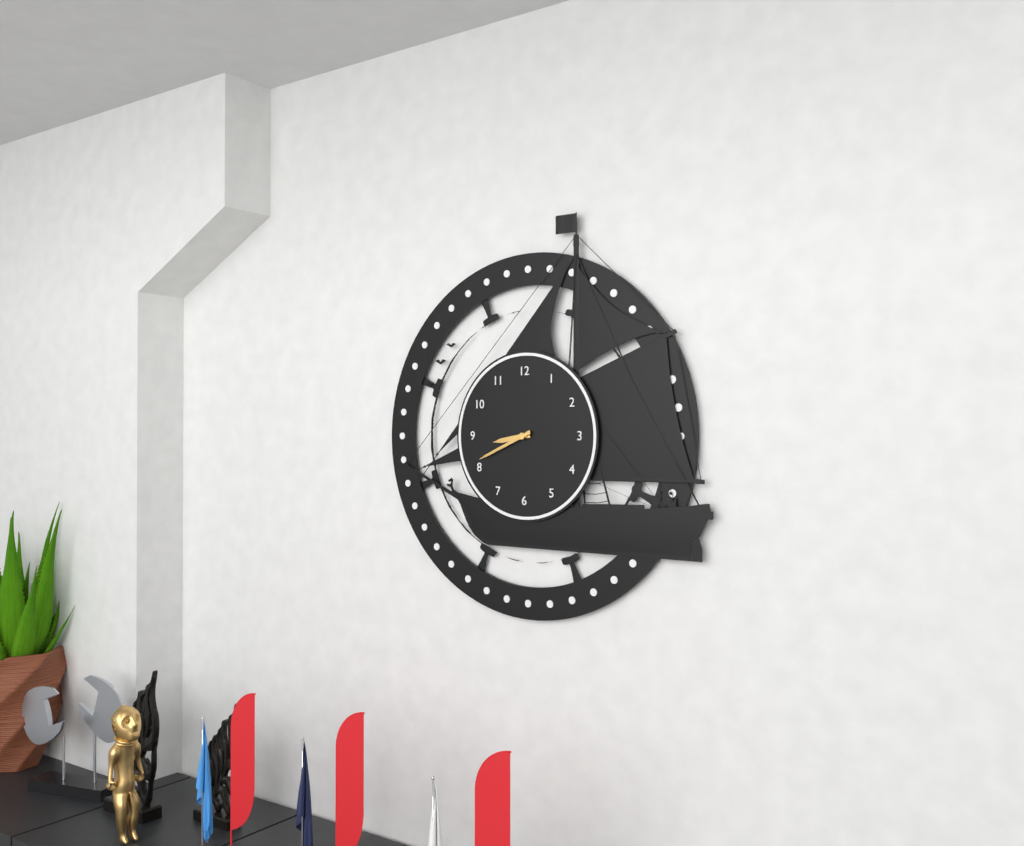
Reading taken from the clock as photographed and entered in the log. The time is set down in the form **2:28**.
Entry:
**8:41**
